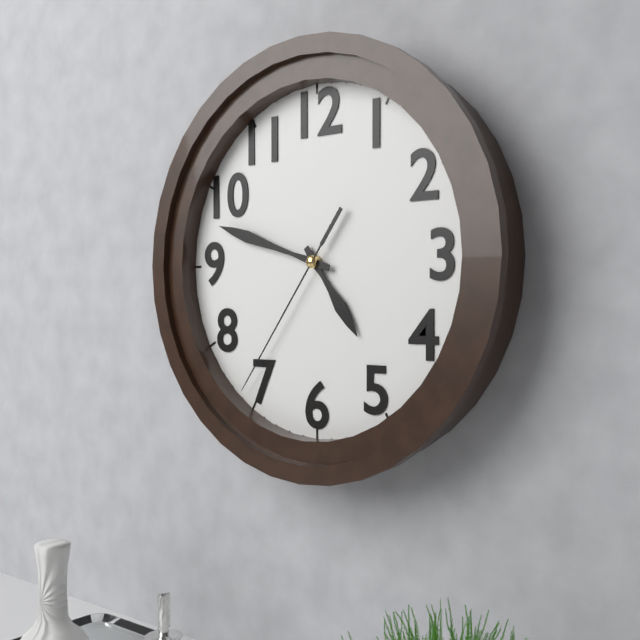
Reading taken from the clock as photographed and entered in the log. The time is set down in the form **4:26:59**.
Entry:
**4:48:36**
